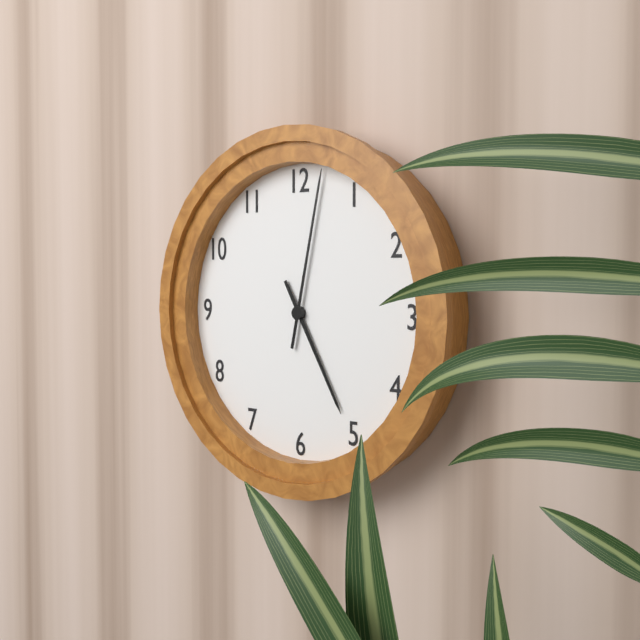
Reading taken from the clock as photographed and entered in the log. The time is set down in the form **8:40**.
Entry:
**5:02**
